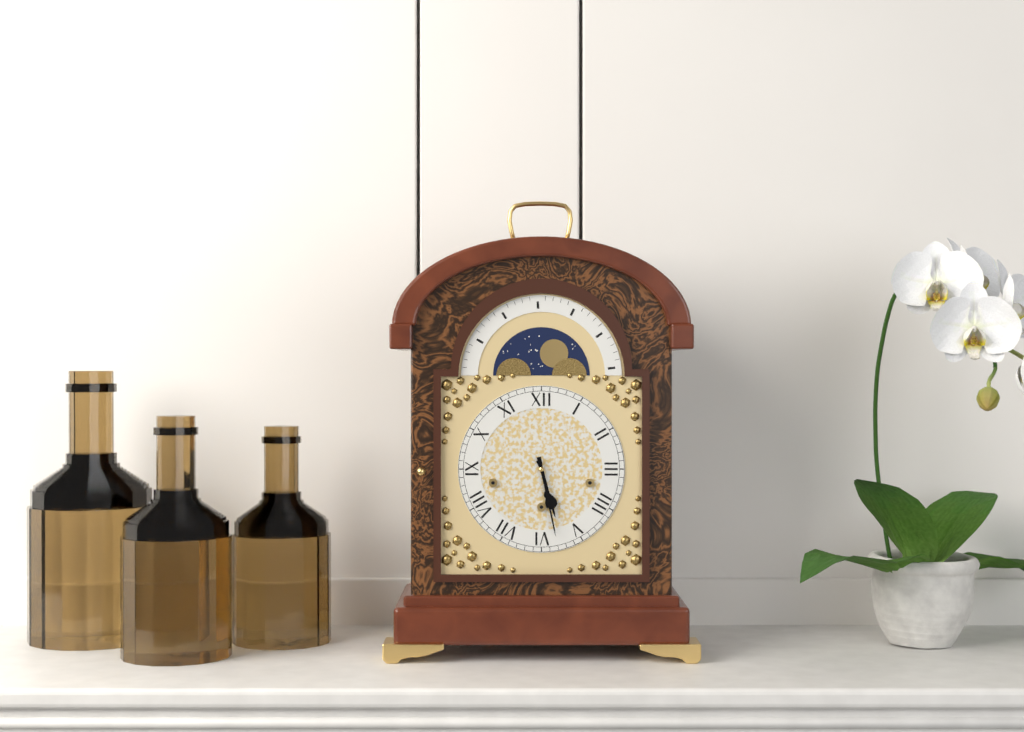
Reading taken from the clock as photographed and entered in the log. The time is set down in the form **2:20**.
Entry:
**5:28**
